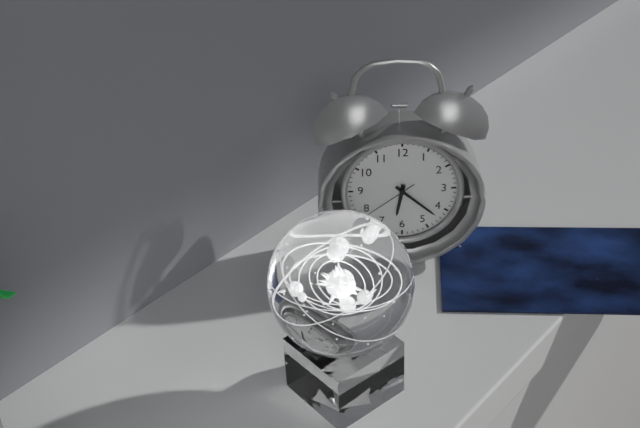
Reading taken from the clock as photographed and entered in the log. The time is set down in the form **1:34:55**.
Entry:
**6:22:39**
